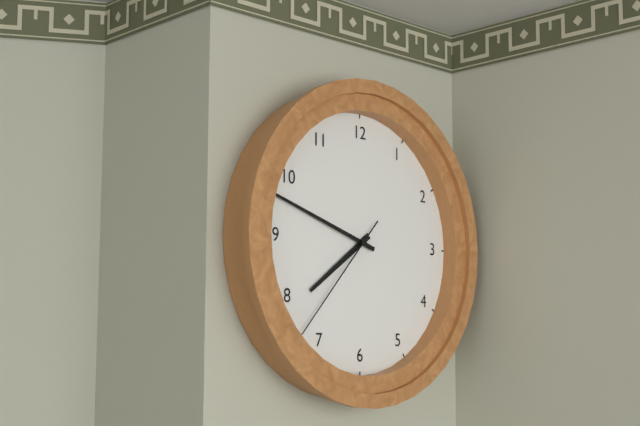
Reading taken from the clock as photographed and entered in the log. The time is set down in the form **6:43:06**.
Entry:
**7:48:37**
